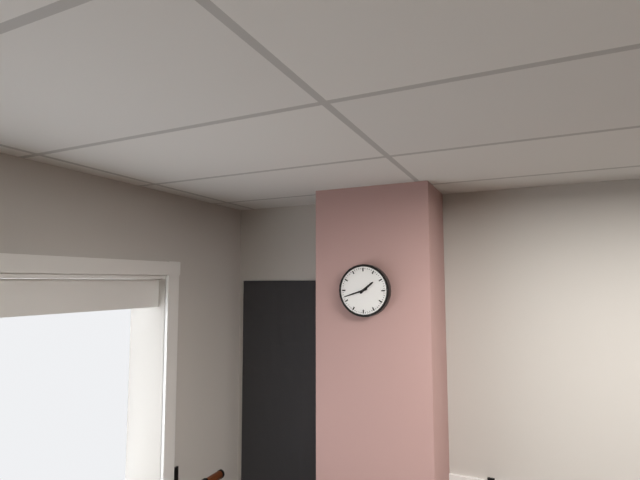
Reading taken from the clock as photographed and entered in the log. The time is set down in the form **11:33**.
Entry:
**1:42**
